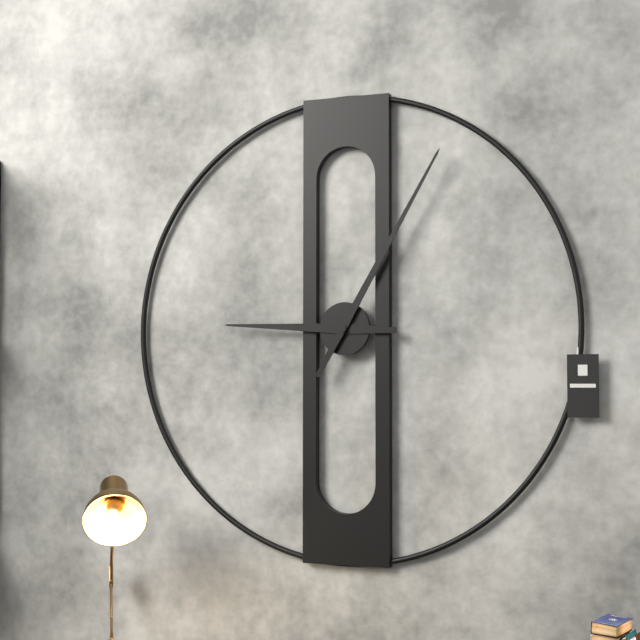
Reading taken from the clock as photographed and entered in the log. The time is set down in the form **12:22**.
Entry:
**9:05**
